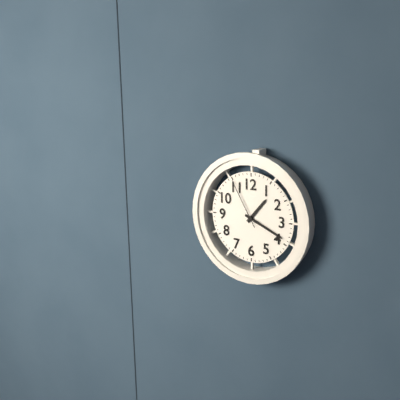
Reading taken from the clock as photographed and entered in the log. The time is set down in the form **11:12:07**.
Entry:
**1:19:55**
